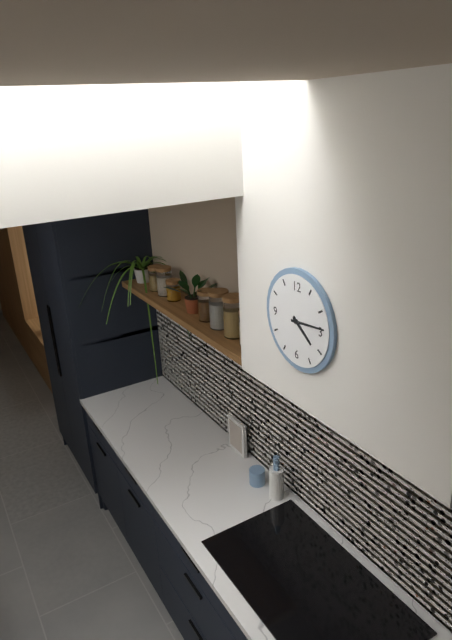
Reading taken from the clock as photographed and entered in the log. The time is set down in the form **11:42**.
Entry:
**4:14**
